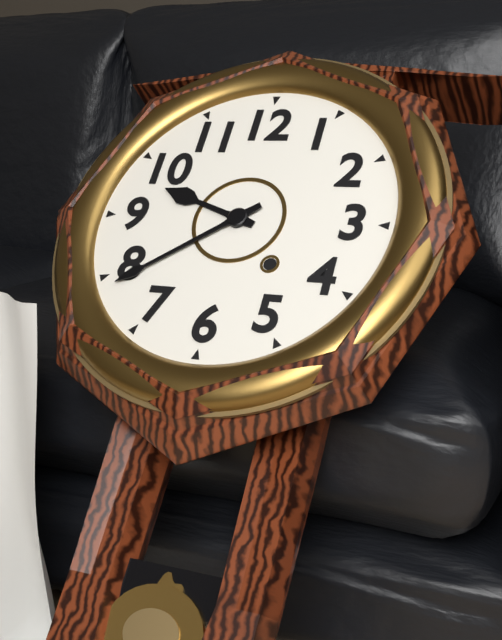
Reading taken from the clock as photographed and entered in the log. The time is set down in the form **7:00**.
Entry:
**9:39**
